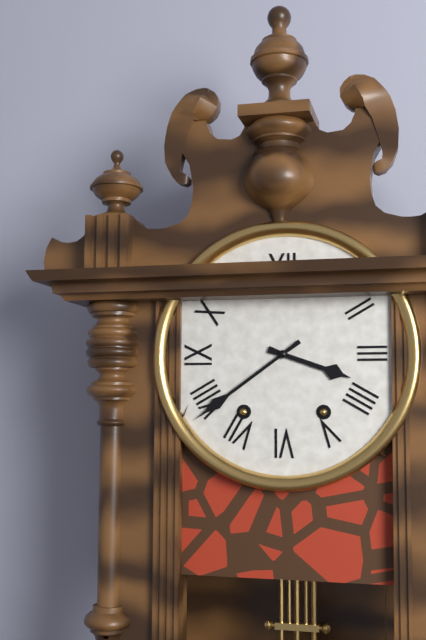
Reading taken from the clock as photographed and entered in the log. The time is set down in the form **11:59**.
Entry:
**3:39**
